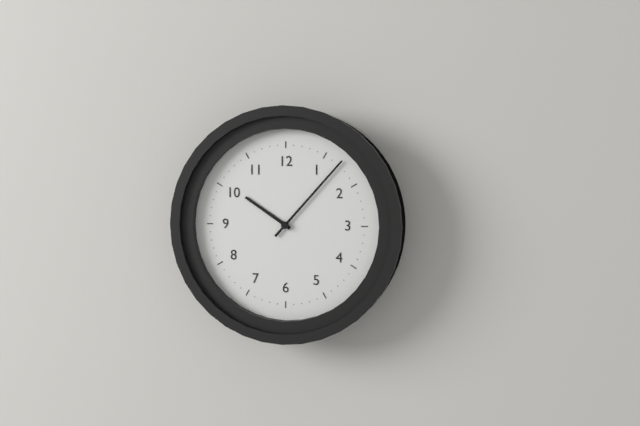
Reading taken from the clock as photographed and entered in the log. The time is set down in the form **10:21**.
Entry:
**10:07**
